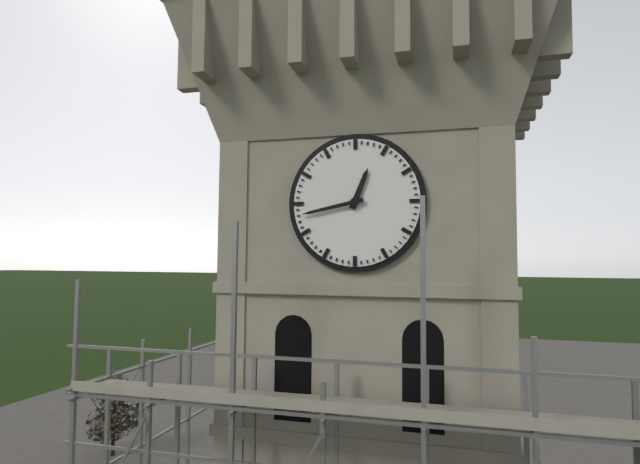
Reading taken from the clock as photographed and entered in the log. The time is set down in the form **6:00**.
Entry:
**12:43**
